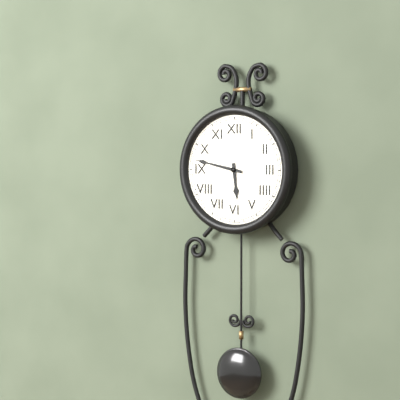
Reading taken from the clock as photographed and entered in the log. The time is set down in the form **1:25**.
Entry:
**5:47**
